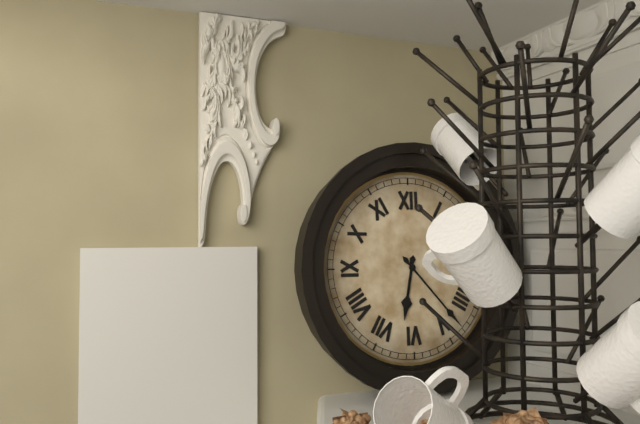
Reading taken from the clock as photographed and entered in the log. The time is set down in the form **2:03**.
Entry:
**6:23**
